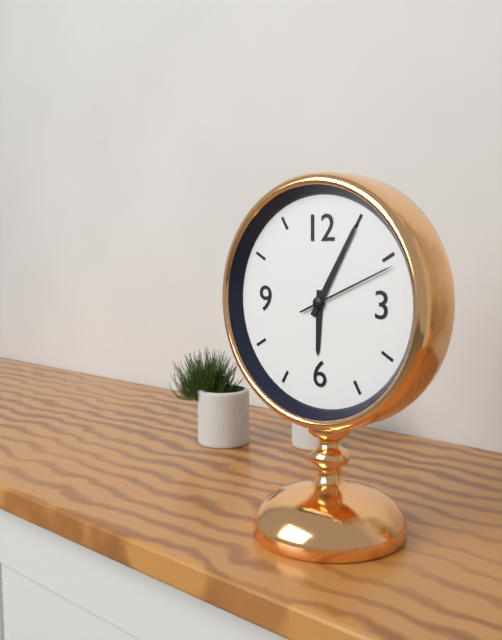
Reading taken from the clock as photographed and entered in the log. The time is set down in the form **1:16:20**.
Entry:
**6:05:11**
